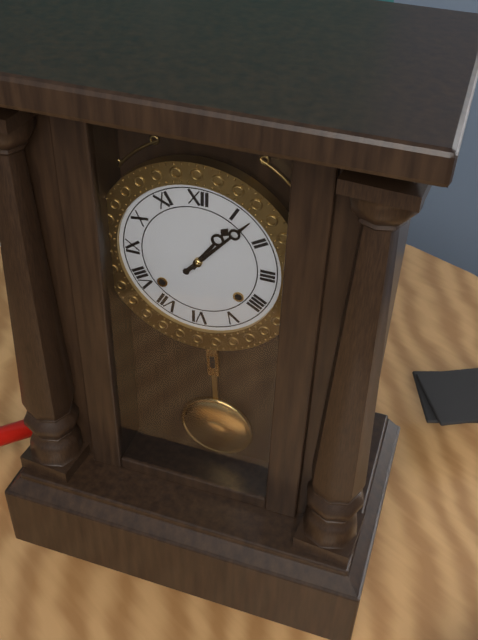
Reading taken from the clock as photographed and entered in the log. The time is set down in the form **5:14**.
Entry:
**1:07**
